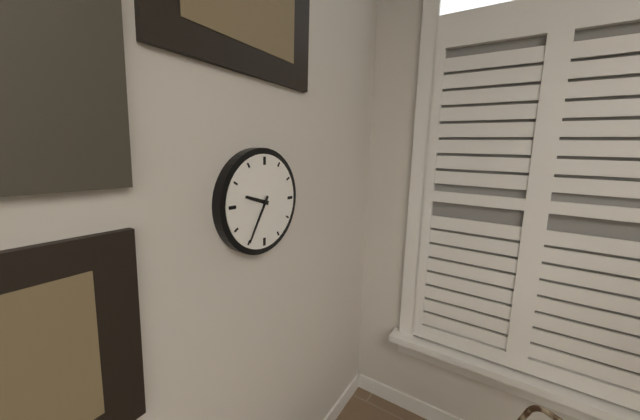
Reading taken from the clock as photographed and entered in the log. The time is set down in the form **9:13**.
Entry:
**9:35**
